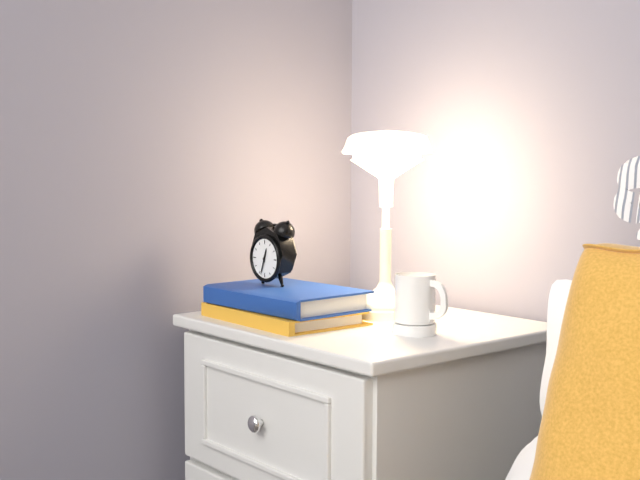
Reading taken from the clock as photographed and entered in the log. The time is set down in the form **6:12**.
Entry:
**12:33**
